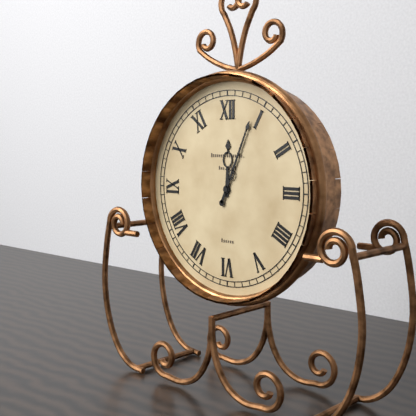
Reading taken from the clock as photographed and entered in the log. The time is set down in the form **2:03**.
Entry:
**12:04**
